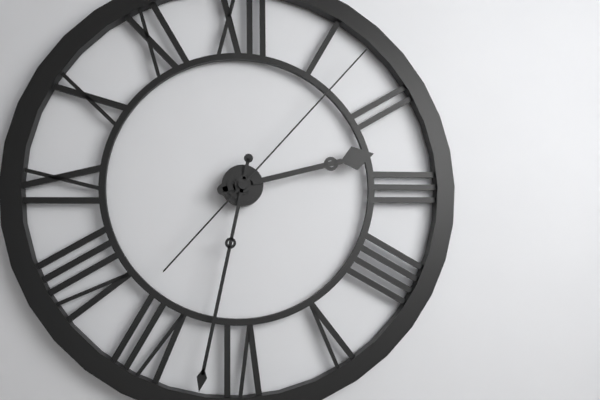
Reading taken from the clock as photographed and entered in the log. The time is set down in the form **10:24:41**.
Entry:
**2:32:07**
